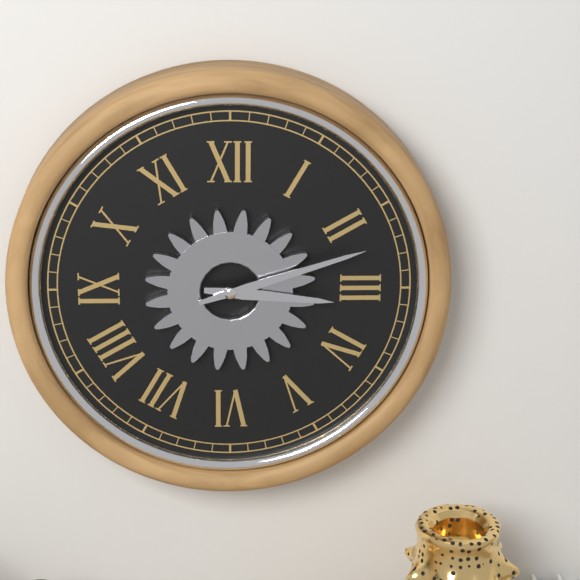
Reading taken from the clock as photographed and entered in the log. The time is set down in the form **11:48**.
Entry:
**3:12**
